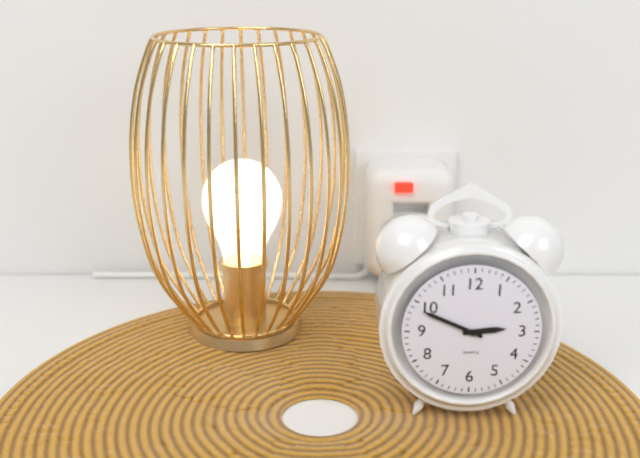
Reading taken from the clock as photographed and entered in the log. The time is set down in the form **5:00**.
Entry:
**2:49**
